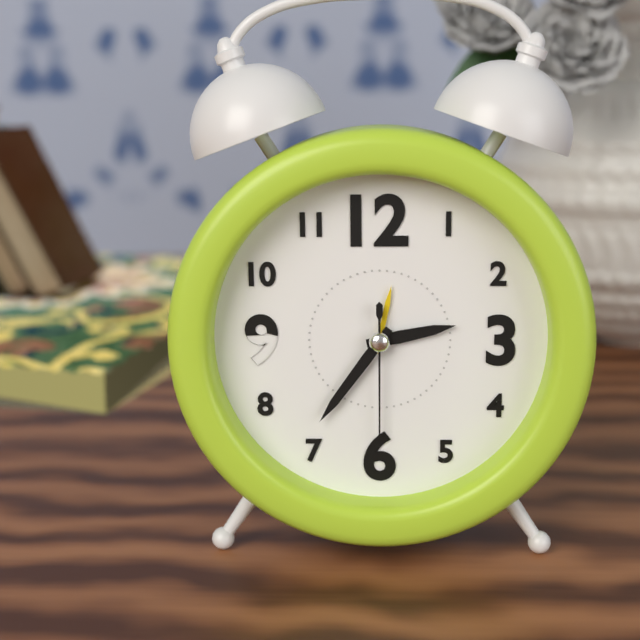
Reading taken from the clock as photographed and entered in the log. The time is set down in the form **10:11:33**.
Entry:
**2:36:30**
